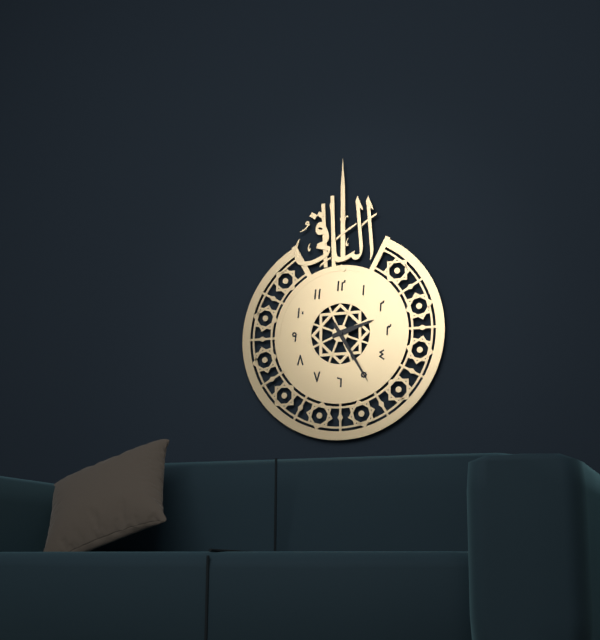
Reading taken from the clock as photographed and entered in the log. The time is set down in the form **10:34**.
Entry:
**2:25**
